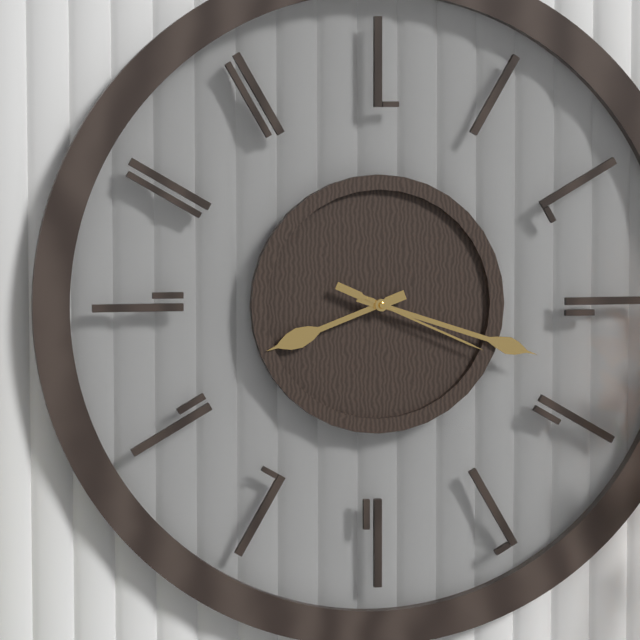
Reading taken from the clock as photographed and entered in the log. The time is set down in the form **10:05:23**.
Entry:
**8:18:19**
